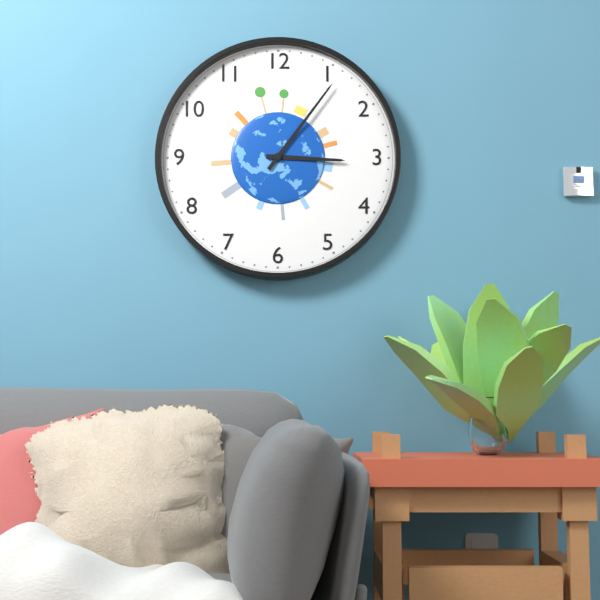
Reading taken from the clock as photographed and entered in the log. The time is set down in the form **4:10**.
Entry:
**3:06**
